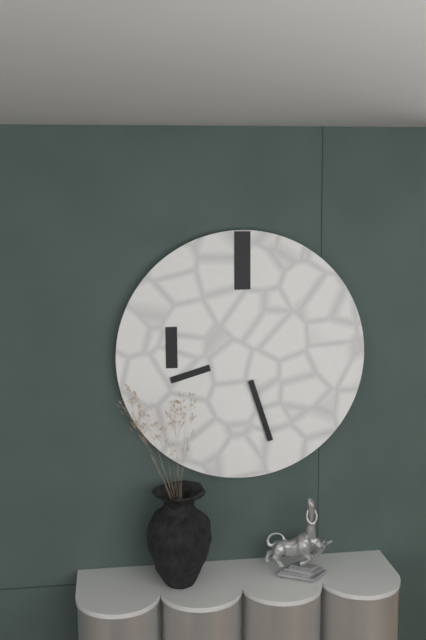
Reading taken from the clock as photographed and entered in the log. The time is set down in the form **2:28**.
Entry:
**8:27**
